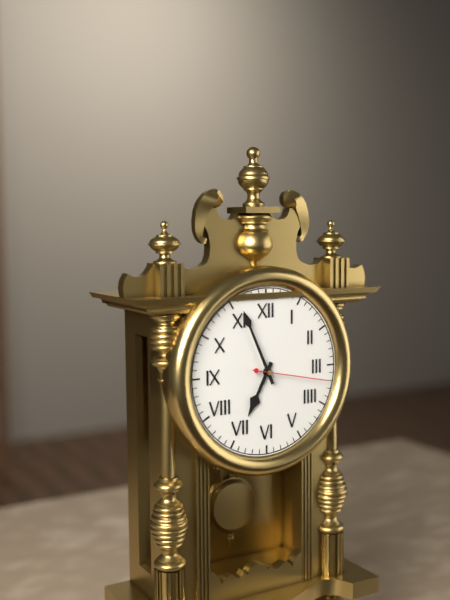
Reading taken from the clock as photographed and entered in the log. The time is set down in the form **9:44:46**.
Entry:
**6:56:17**
